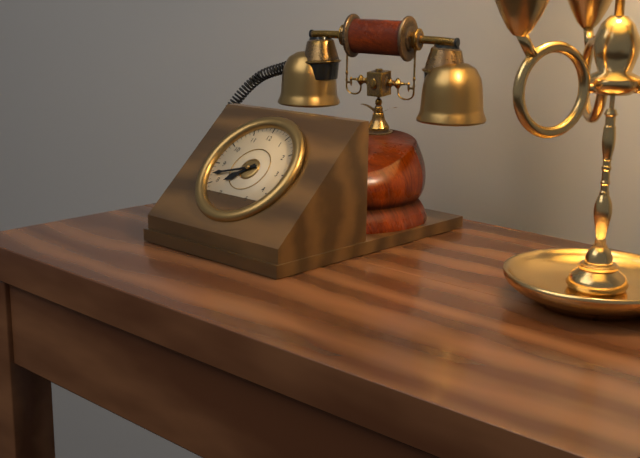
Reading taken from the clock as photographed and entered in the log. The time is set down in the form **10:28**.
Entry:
**7:42**
